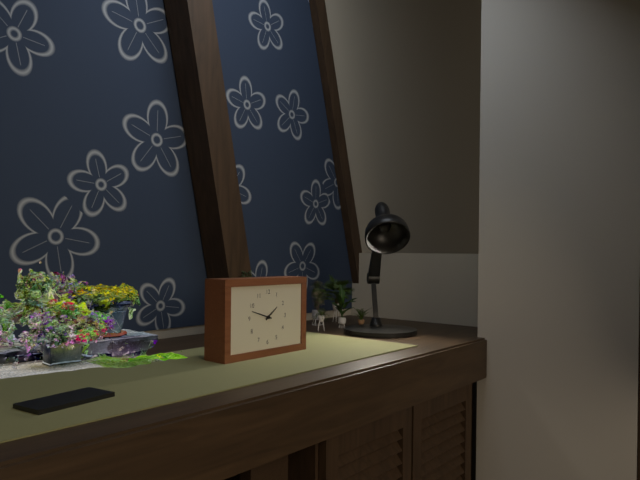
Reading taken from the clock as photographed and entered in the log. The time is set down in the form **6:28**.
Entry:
**1:48**
